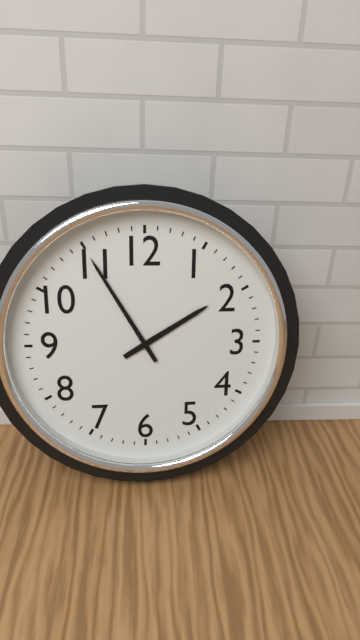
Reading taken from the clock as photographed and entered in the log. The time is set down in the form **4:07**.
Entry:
**1:55**
